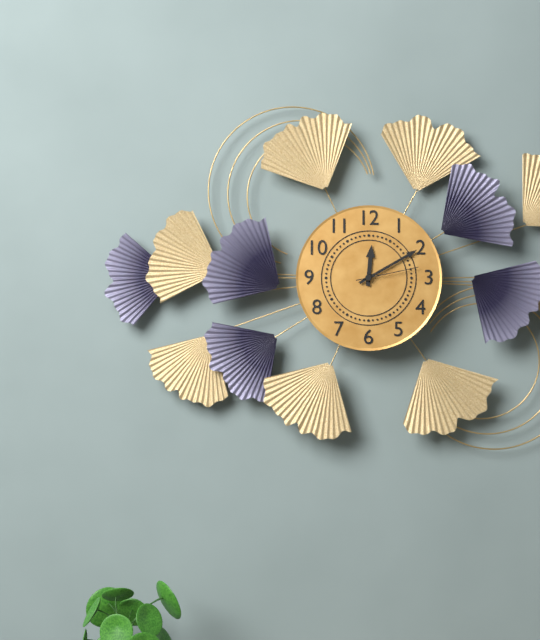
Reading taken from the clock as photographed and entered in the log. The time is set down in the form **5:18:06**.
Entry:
**12:10:13**
